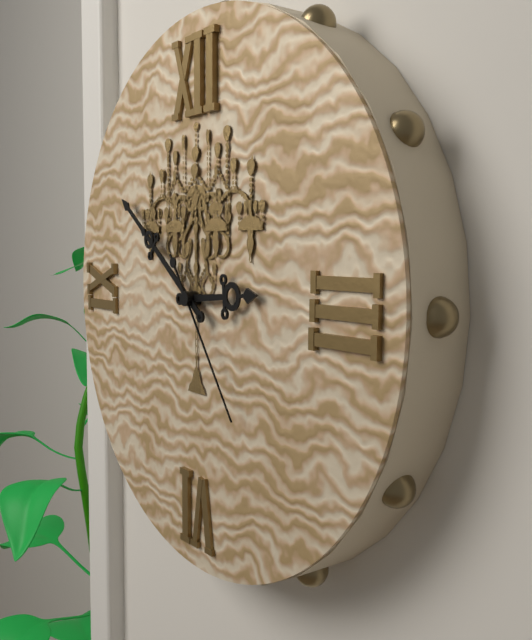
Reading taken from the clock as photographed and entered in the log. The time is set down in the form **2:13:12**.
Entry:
**2:51:24**
